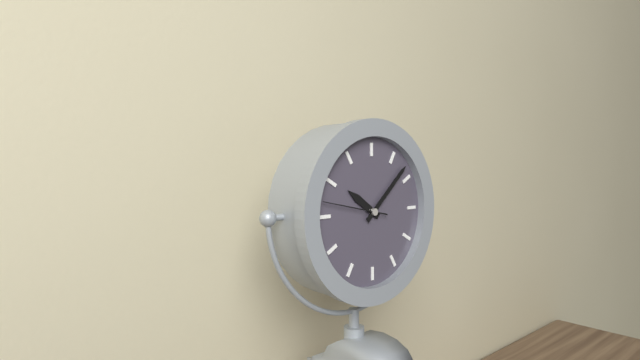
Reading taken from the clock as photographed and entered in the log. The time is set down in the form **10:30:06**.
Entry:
**10:08:47**
